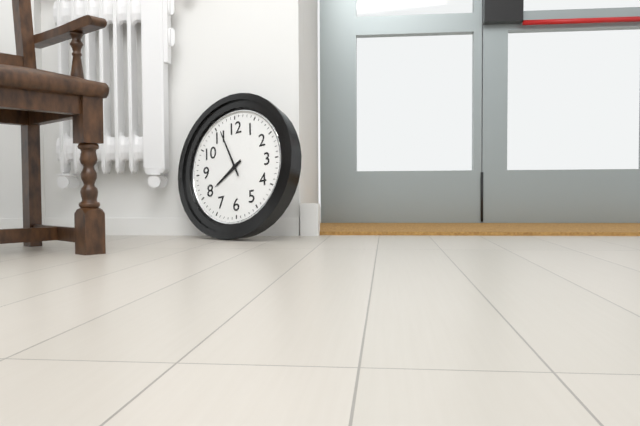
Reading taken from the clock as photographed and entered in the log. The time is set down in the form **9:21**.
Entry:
**7:56**
